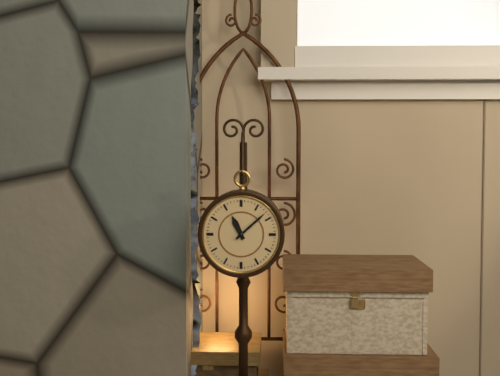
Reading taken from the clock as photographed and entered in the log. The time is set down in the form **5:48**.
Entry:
**11:08**
